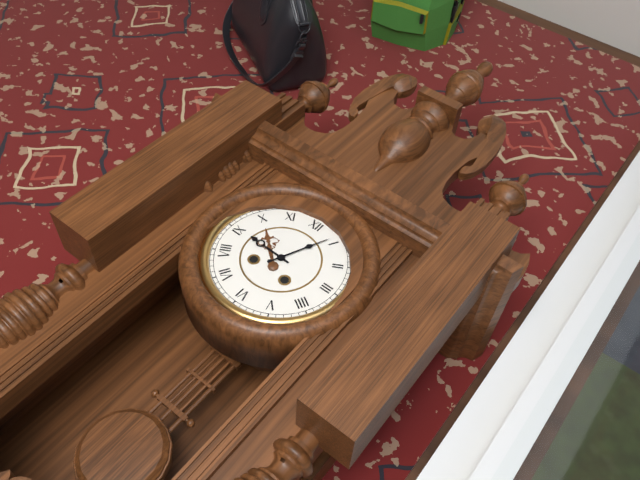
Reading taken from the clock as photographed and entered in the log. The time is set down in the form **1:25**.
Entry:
**9:04**
